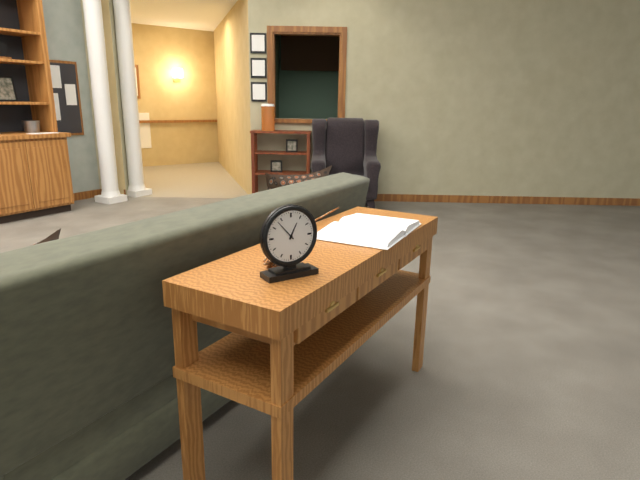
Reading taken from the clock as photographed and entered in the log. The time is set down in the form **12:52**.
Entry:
**12:53**
